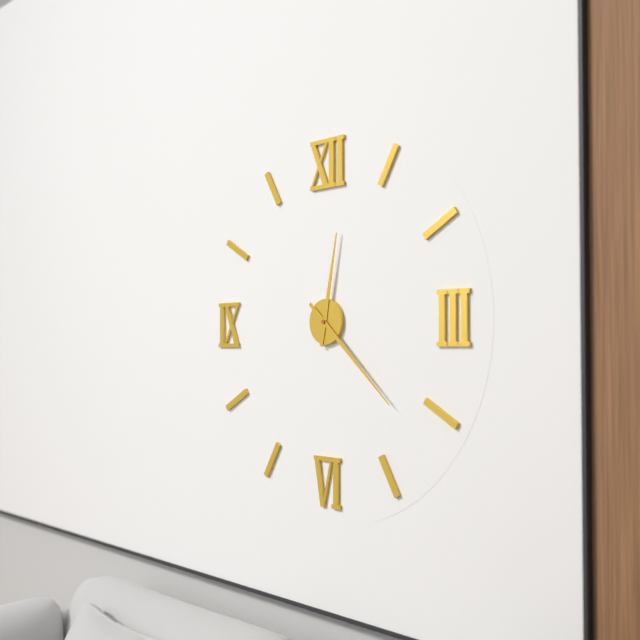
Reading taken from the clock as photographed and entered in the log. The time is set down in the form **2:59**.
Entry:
**12:22**
